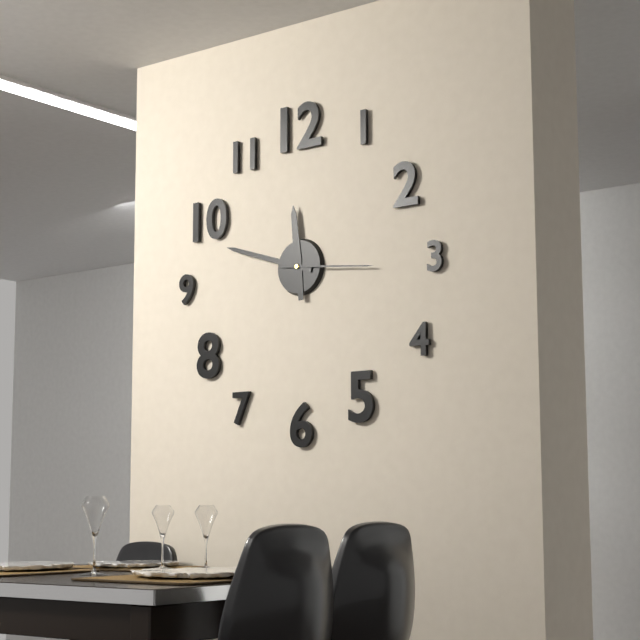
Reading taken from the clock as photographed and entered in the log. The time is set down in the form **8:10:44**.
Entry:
**11:48:16**
